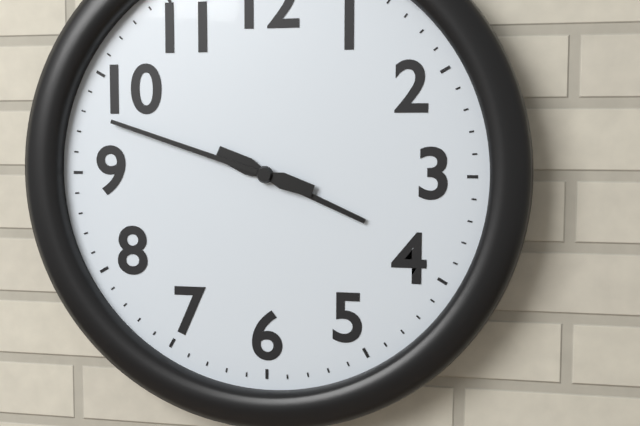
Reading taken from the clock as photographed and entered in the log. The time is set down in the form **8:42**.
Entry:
**3:48**
